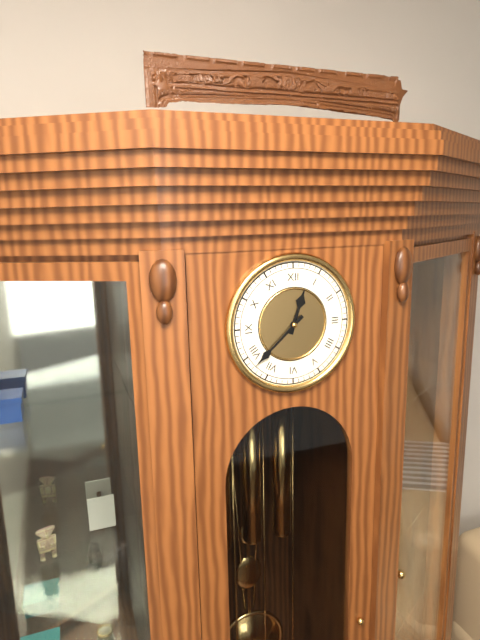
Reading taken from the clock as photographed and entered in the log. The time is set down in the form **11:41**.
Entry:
**12:38**
